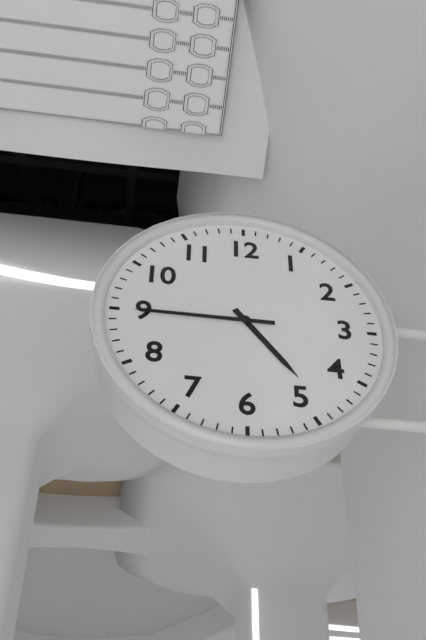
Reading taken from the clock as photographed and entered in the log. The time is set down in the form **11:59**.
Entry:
**4:45**
